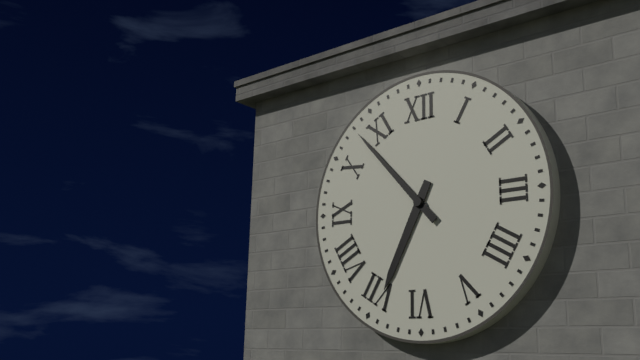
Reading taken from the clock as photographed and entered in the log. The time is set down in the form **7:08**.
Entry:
**6:53**
